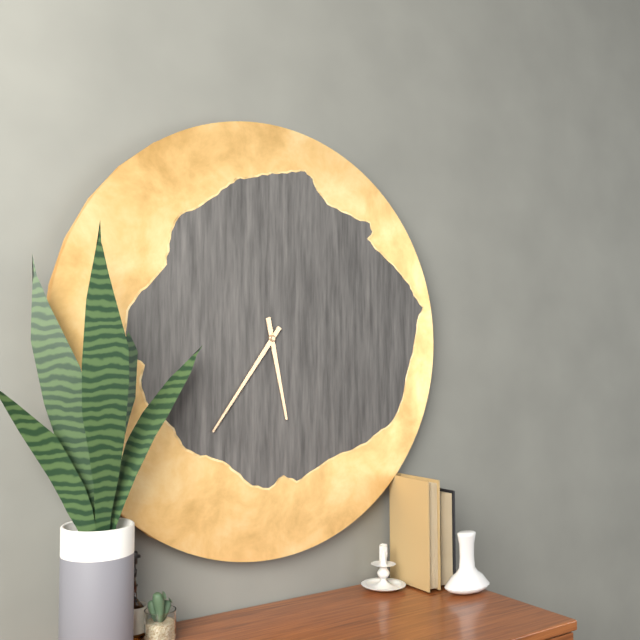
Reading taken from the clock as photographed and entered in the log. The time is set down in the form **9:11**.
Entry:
**5:36**
